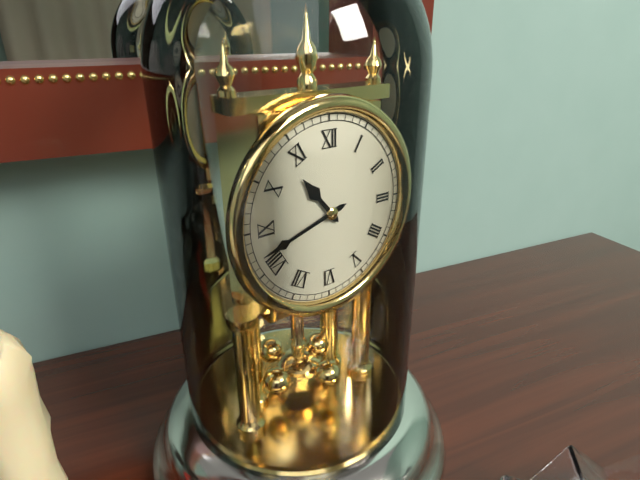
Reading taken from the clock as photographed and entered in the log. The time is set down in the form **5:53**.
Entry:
**10:42**
